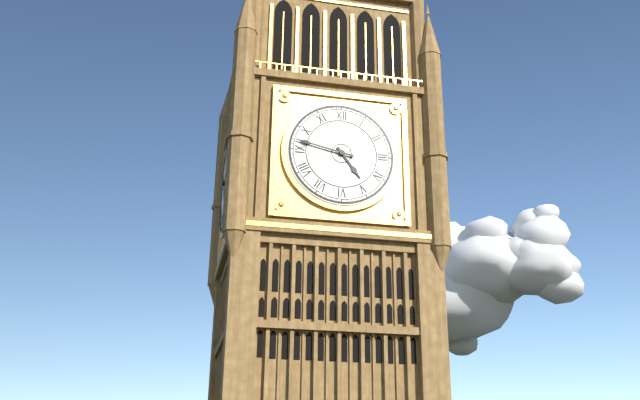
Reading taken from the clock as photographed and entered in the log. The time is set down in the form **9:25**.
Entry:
**4:47**
